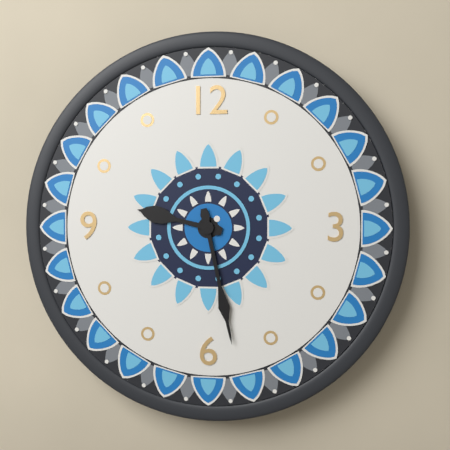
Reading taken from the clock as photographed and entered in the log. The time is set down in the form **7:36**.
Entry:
**9:28**
